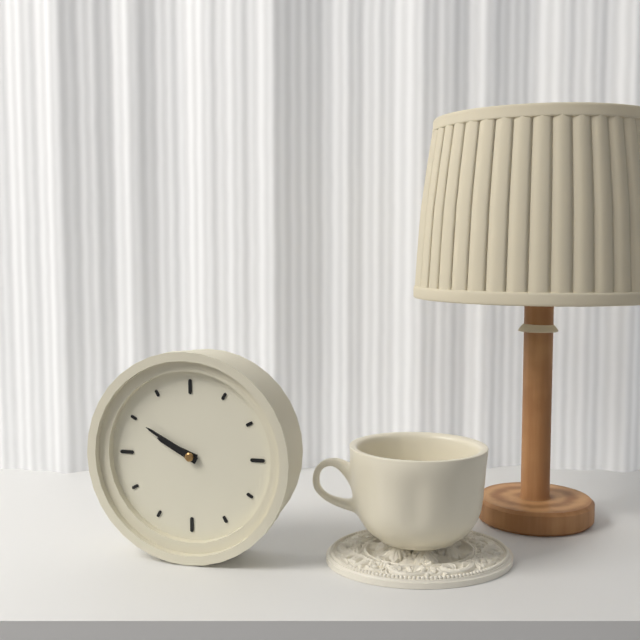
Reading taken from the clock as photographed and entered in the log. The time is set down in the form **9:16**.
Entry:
**9:50**
